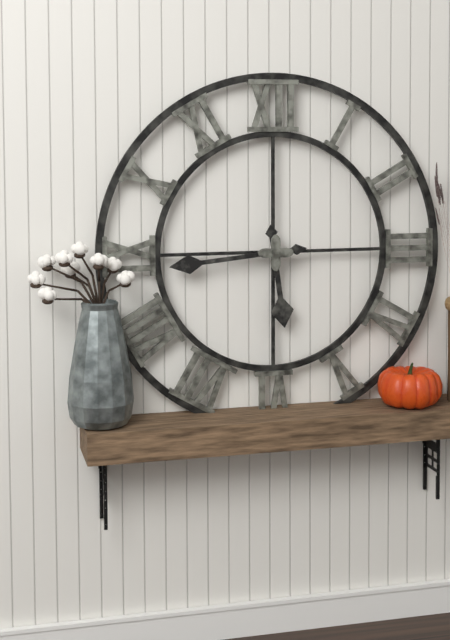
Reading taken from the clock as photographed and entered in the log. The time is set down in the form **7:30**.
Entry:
**5:44**
